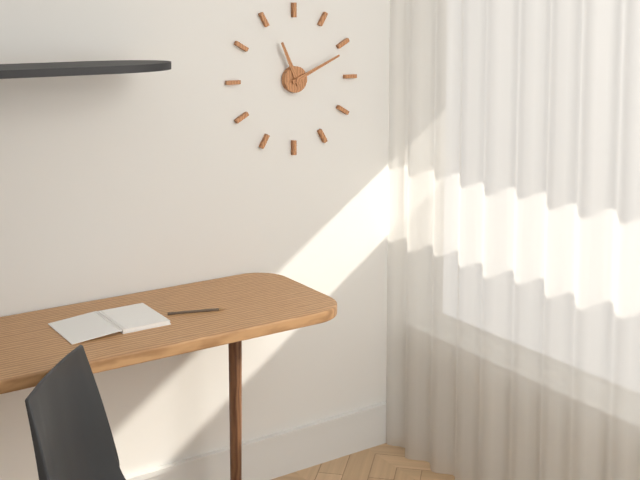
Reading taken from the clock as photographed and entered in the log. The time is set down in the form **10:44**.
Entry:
**11:11**
